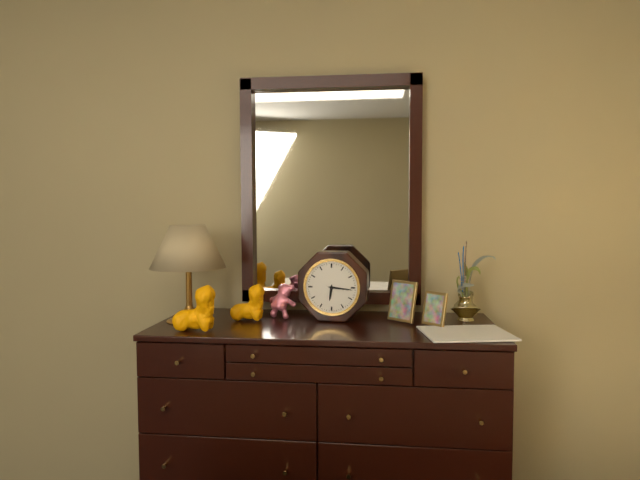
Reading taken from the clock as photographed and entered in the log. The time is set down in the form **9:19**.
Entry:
**6:16**
